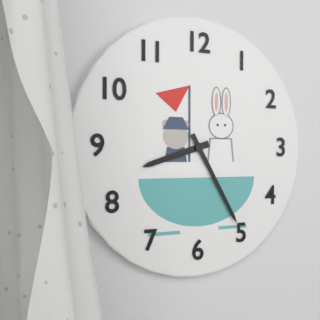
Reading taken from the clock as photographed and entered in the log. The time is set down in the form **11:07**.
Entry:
**8:25**
